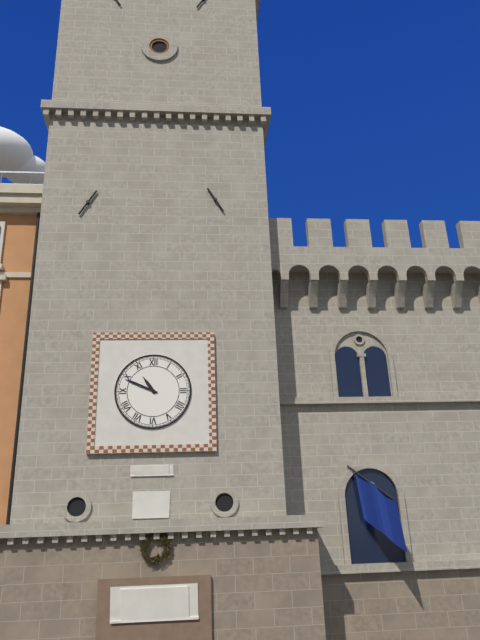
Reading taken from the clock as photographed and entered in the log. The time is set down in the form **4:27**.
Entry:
**10:49**
